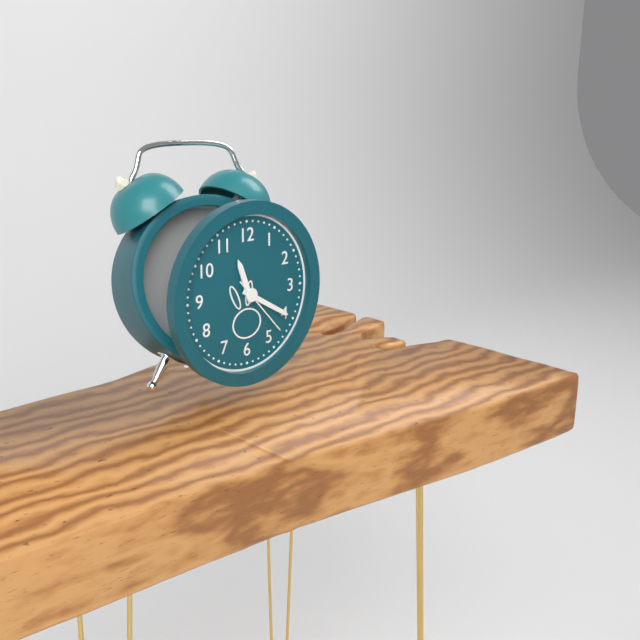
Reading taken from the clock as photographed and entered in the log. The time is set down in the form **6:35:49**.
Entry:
**11:20:23**
